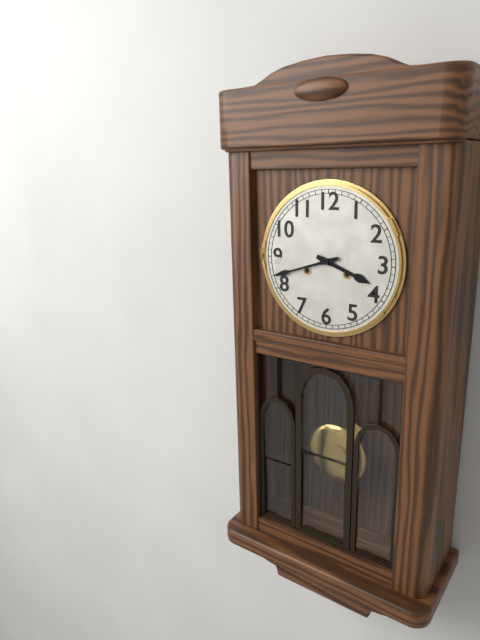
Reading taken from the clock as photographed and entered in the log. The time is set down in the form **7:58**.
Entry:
**3:42**
